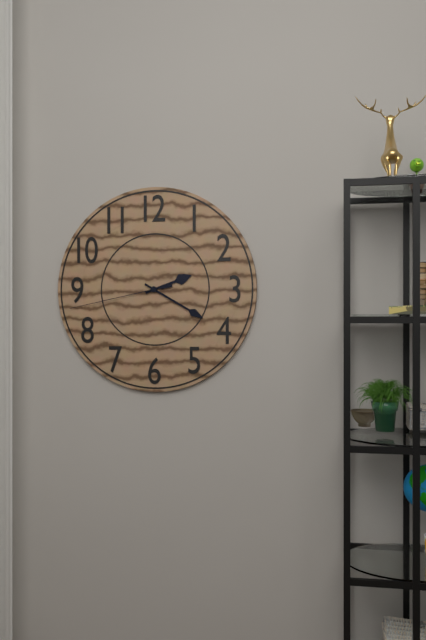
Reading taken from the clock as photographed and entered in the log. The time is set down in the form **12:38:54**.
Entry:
**2:20:43**
